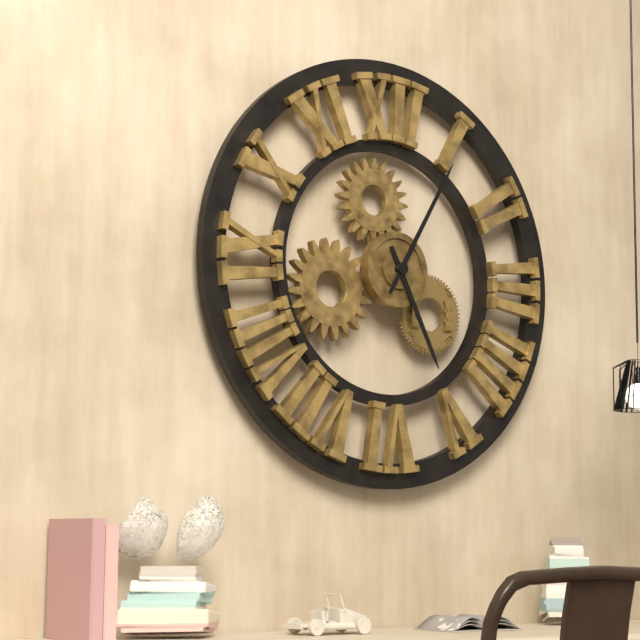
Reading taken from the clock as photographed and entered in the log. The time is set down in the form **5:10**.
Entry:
**5:05**
